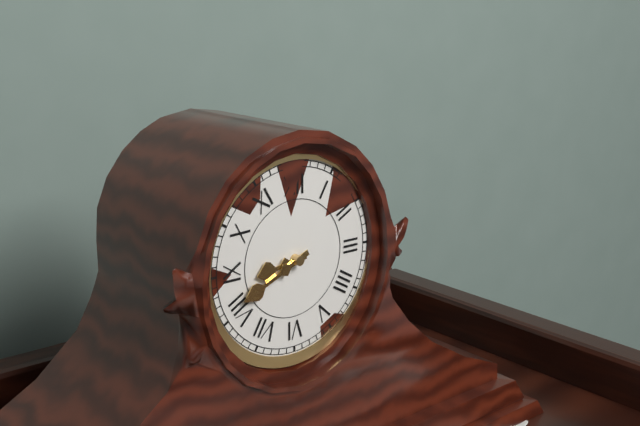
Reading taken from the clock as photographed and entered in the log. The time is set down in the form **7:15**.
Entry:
**8:41**
